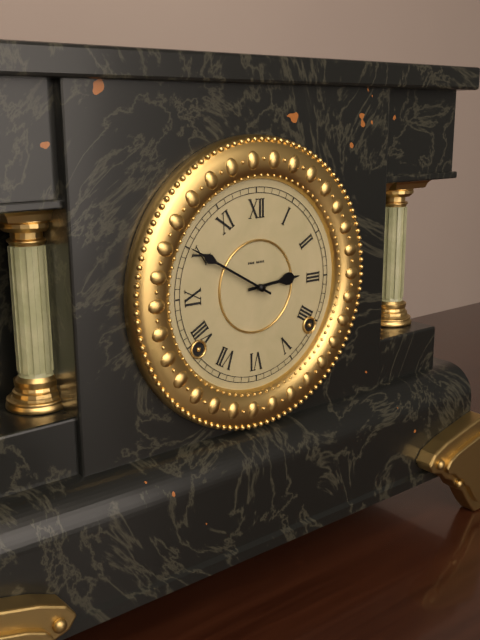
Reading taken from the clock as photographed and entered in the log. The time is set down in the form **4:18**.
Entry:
**2:50**
